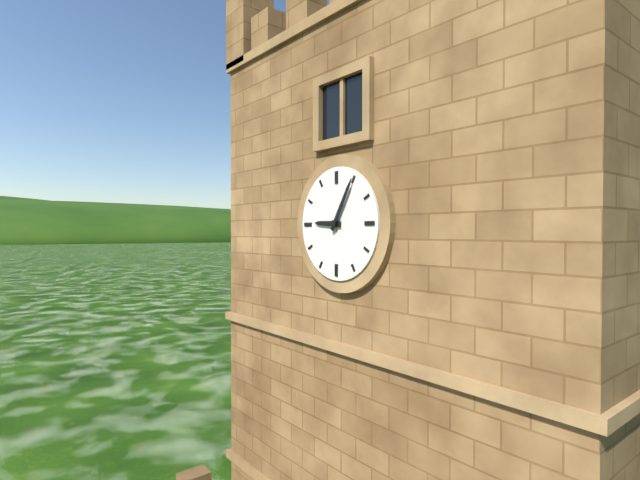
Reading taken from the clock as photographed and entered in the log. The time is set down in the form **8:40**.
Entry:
**9:05**
